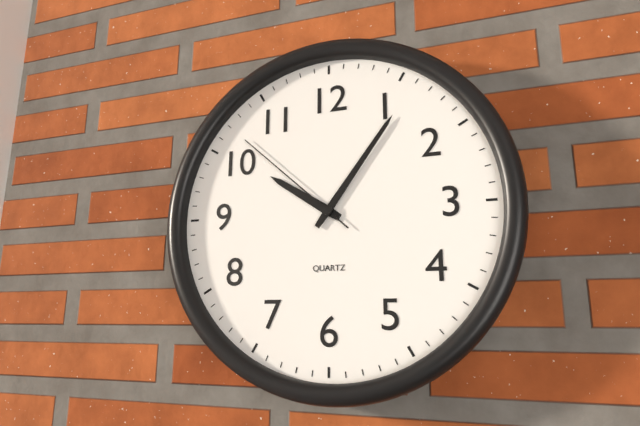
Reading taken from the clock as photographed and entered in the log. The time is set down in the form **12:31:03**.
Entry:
**10:06:52**
